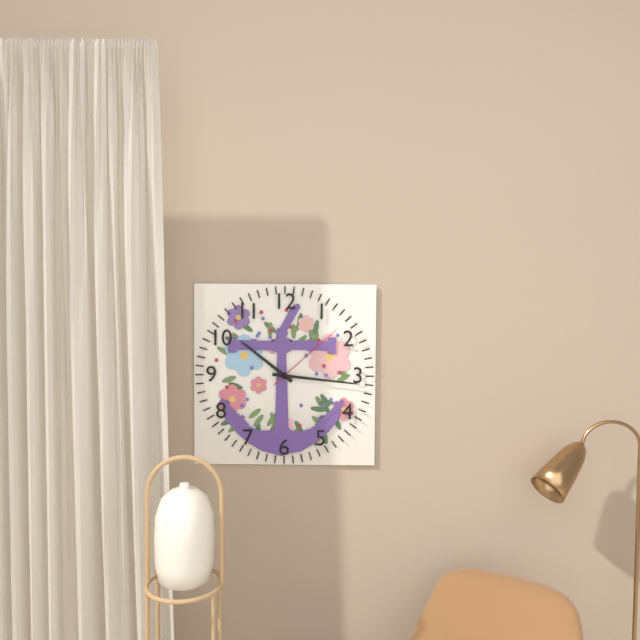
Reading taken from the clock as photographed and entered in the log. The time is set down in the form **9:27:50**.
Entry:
**10:16:08**
